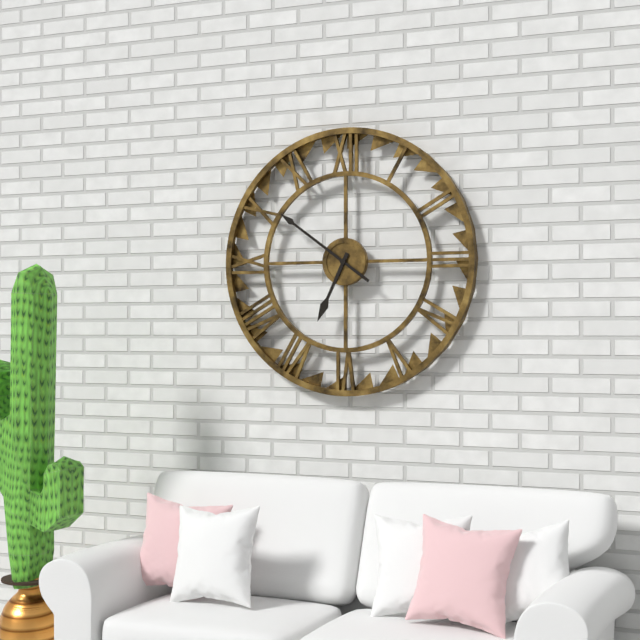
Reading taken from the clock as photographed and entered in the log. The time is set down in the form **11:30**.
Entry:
**6:51**
